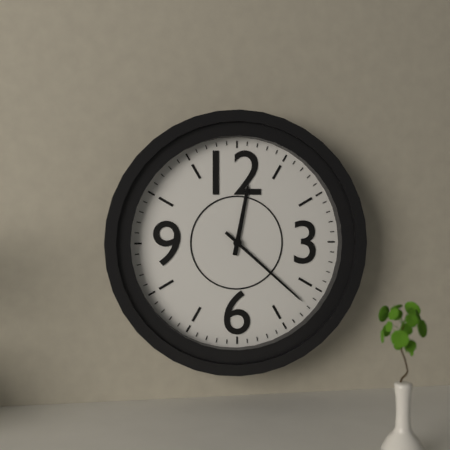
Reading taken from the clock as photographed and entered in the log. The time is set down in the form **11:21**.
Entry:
**12:22**
